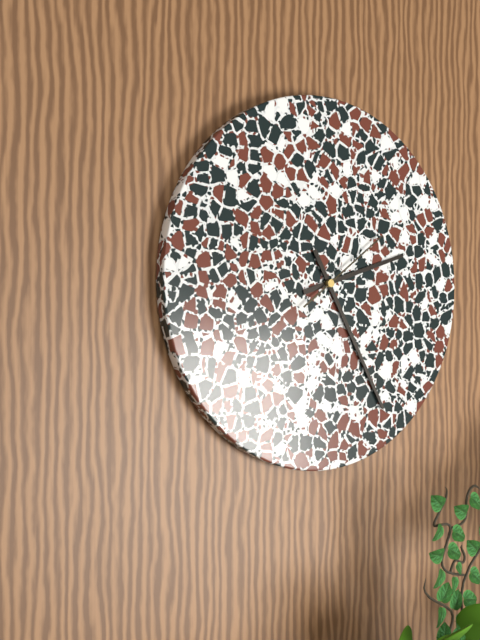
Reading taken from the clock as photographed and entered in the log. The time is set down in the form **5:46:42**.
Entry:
**2:25:09**
